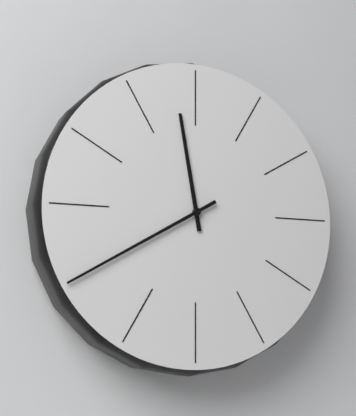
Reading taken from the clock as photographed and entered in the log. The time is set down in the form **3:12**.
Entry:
**11:40**
